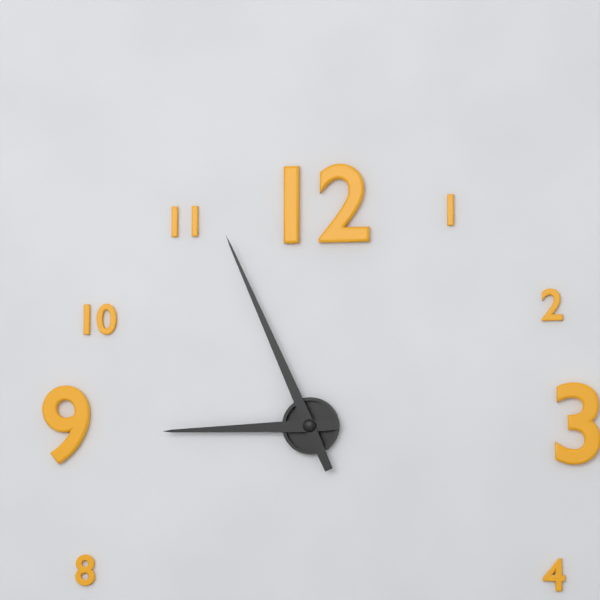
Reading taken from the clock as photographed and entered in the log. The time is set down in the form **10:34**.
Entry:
**8:56**
